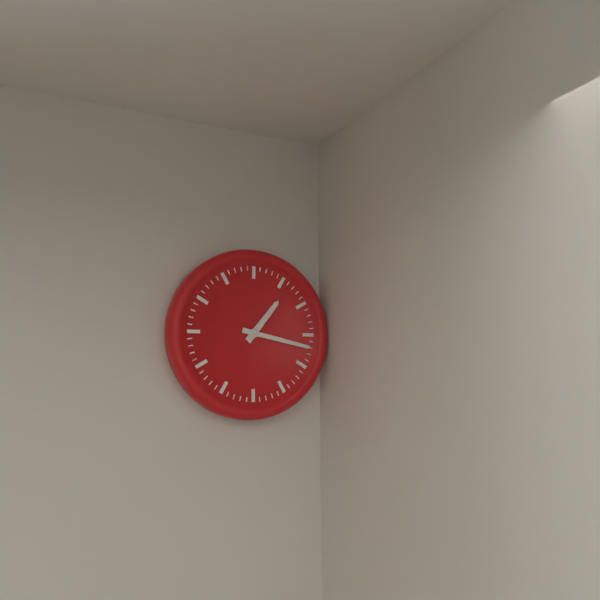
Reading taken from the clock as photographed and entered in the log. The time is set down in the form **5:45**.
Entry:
**1:17**
